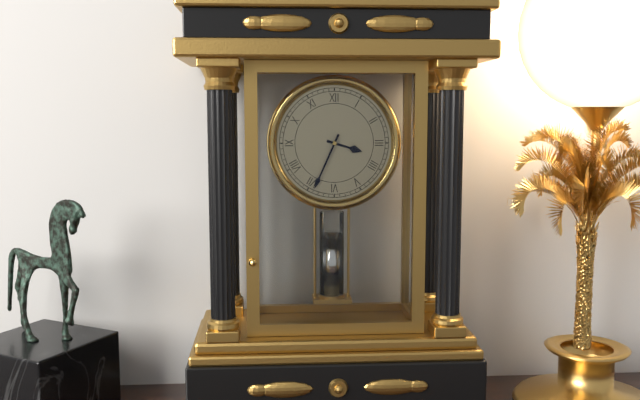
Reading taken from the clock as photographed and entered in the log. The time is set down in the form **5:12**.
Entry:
**3:34**
